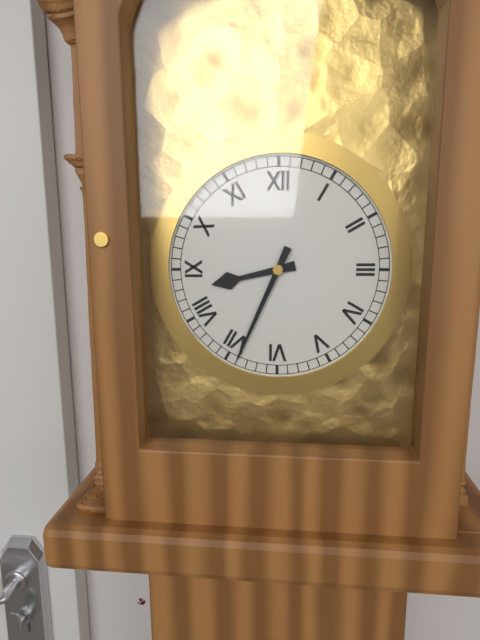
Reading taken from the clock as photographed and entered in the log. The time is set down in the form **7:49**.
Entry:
**8:34**
